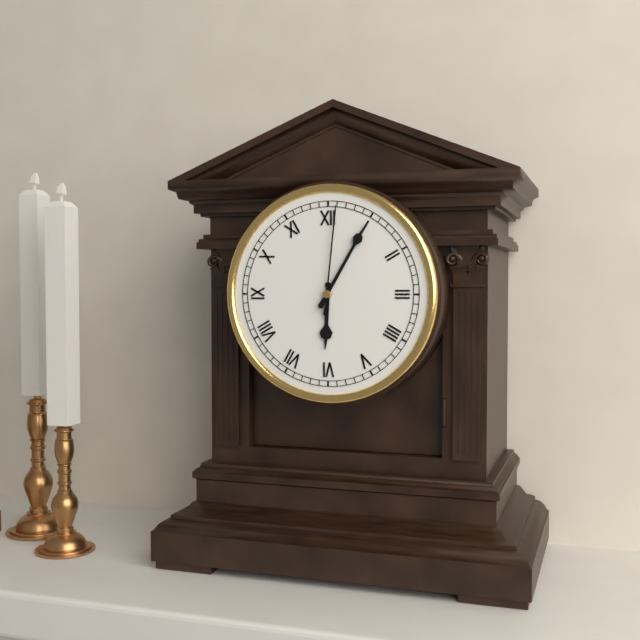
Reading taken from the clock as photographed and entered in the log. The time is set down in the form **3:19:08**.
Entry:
**6:05:01**
